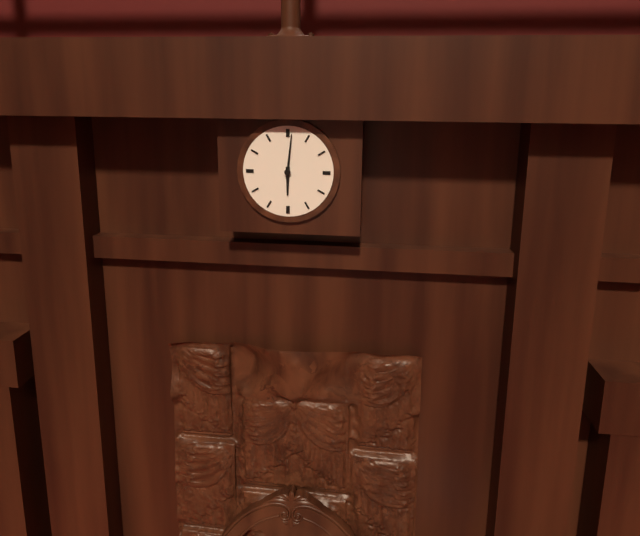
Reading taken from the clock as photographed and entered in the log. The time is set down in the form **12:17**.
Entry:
**6:01**
